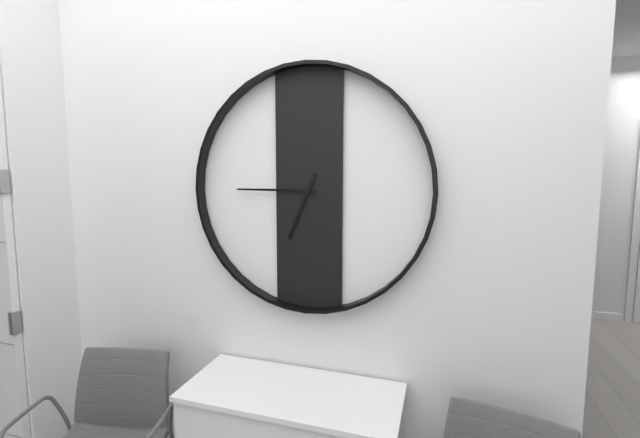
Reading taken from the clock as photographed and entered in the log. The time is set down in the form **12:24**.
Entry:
**6:45**
